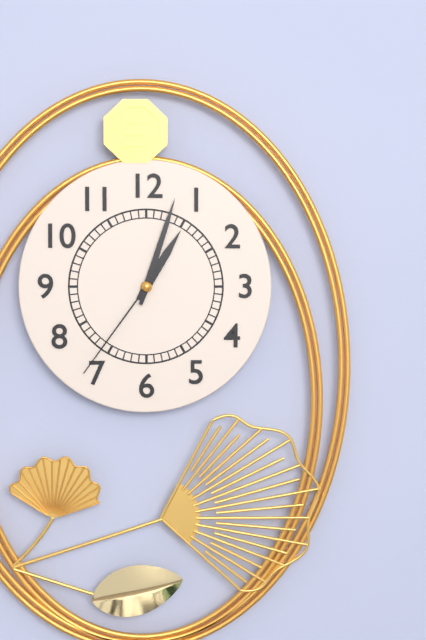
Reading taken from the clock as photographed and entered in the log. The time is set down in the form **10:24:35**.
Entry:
**1:03:36**
